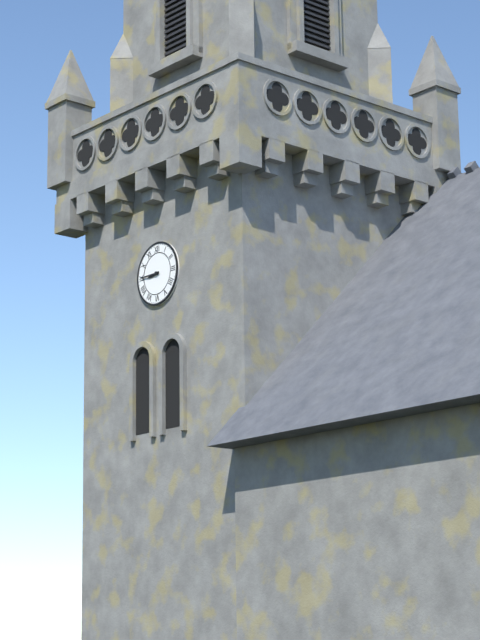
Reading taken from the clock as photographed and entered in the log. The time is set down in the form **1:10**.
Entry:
**8:45**
